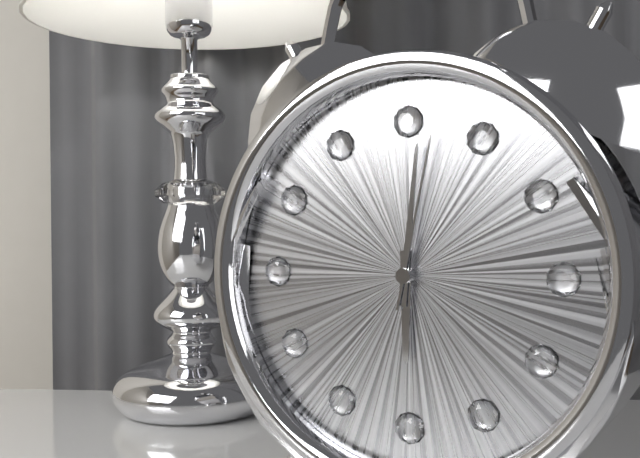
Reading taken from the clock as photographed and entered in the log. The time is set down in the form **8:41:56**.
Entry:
**6:01:02**
